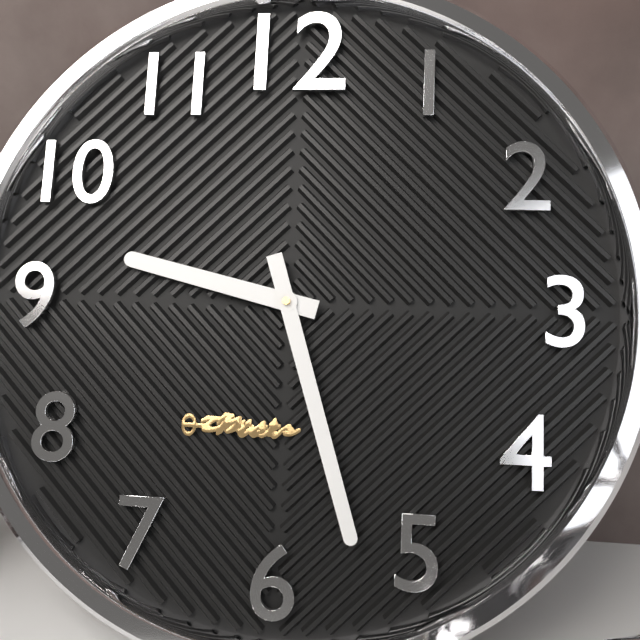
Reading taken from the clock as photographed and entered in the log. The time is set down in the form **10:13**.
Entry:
**9:27**
